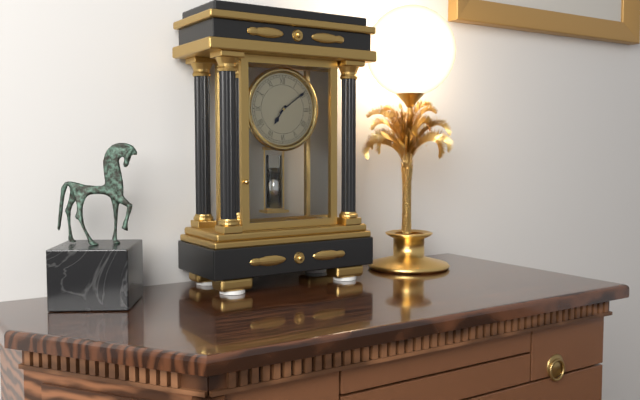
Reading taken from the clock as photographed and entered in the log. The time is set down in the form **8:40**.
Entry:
**7:09**
